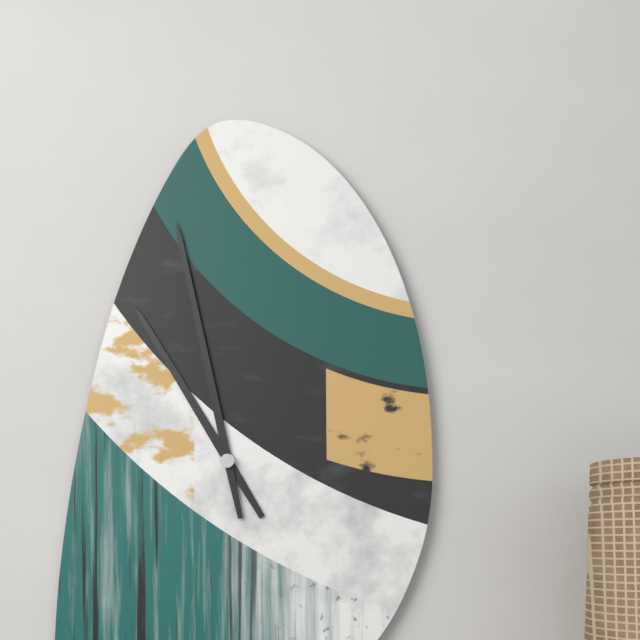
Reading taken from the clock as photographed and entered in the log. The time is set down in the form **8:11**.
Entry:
**10:58**
